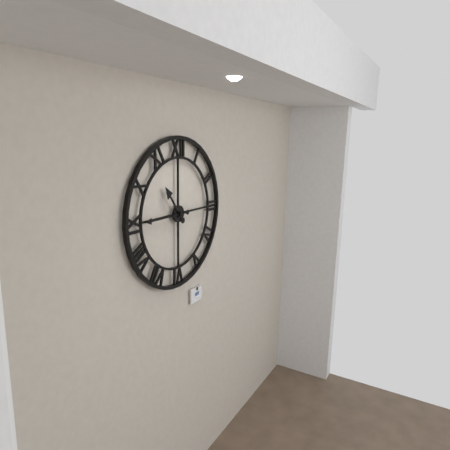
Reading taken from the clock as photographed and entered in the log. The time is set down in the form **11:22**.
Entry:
**10:45**
